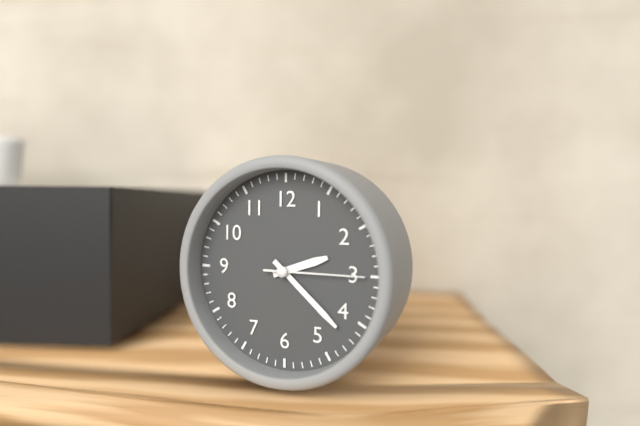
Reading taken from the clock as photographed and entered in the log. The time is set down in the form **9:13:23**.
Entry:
**2:22:15**
